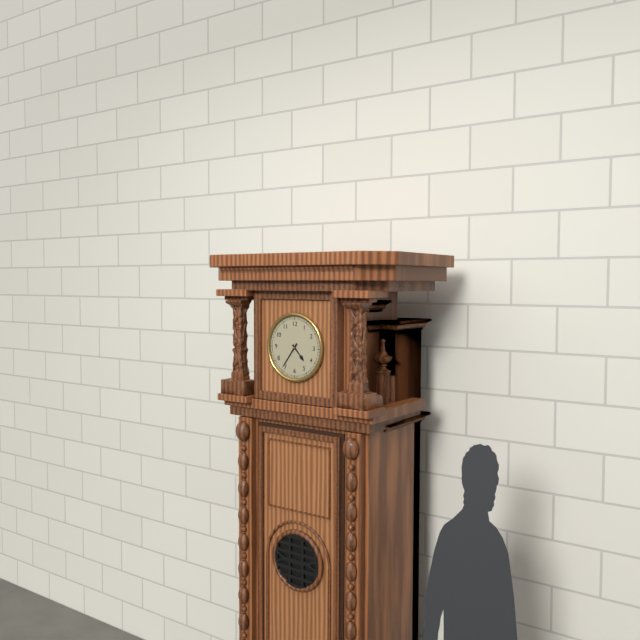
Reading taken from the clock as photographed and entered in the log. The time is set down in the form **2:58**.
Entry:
**4:36**
